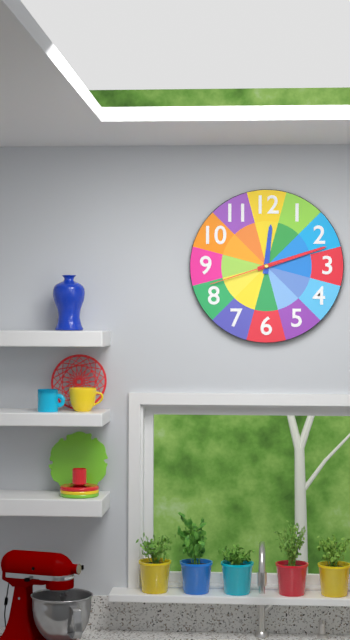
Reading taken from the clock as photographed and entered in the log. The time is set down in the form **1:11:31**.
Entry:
**12:12:42**
